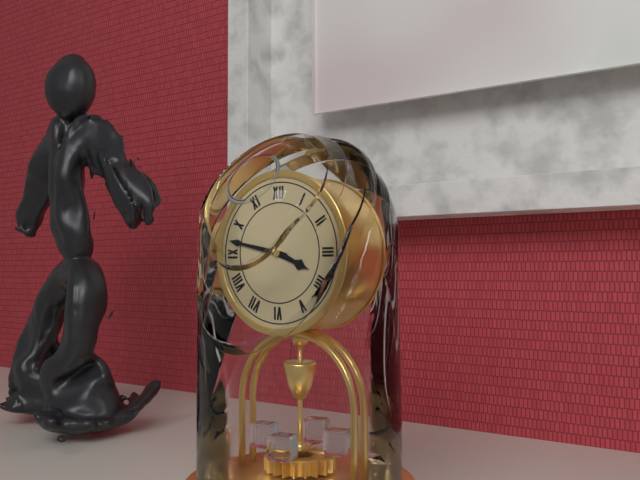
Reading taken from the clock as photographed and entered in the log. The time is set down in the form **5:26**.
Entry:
**3:47**
